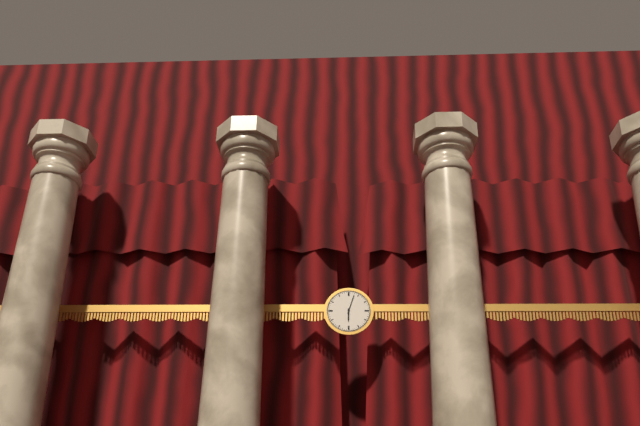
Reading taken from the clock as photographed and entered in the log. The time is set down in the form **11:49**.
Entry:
**6:03**
